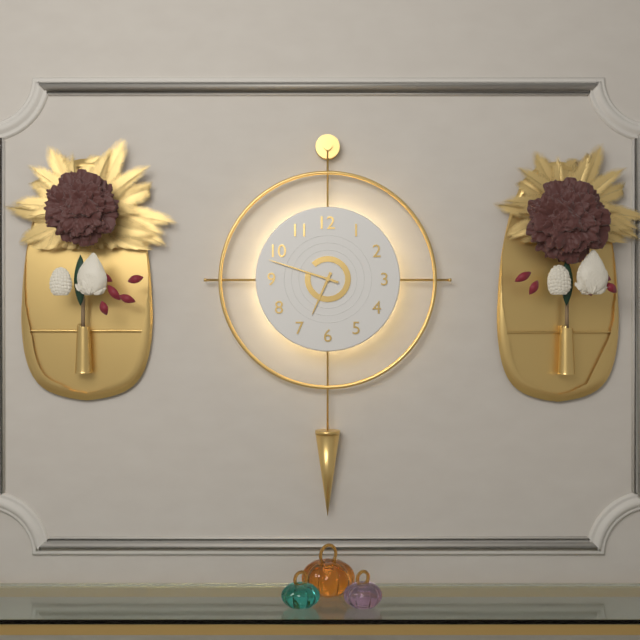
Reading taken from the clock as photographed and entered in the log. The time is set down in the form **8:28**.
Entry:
**6:48**
